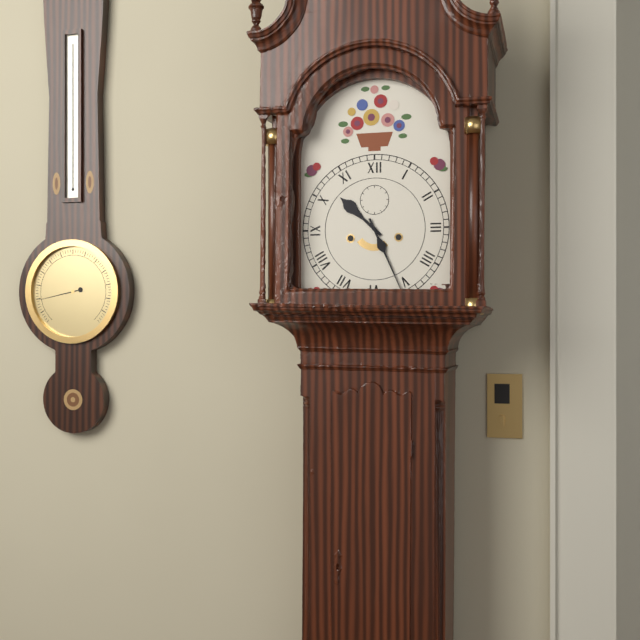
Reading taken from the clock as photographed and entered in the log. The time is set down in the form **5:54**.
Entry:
**10:26**
